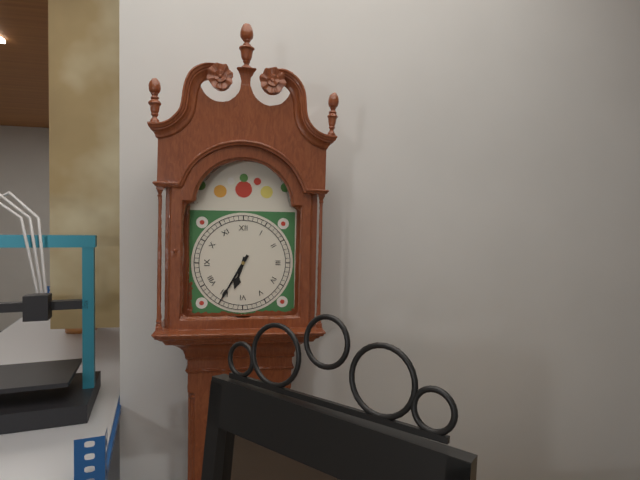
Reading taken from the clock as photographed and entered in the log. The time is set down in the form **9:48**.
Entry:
**6:35**
